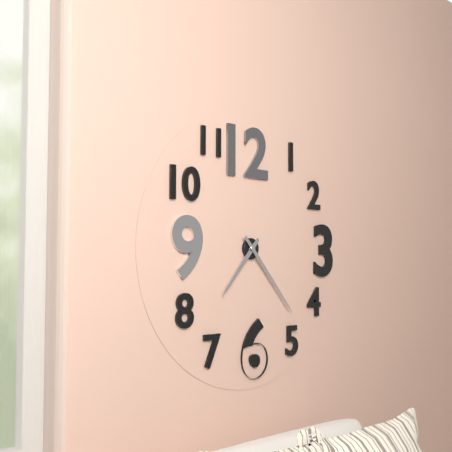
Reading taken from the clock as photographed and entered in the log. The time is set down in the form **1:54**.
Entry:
**7:23**
